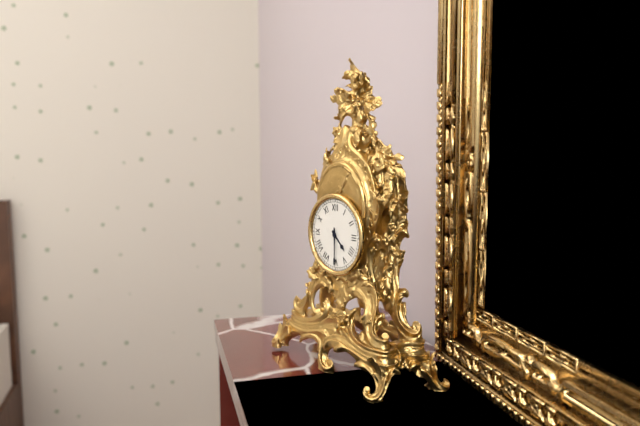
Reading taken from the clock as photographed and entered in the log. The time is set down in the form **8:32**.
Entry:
**4:30**
